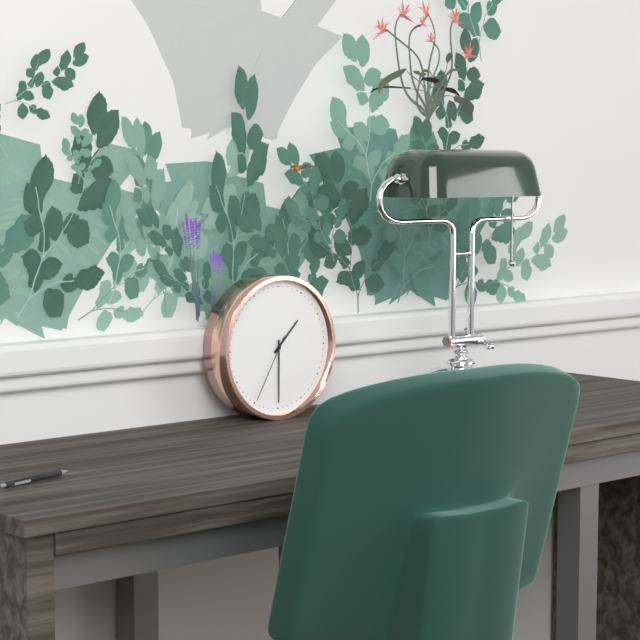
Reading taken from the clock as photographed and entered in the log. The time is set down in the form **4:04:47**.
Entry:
**1:30:35**
